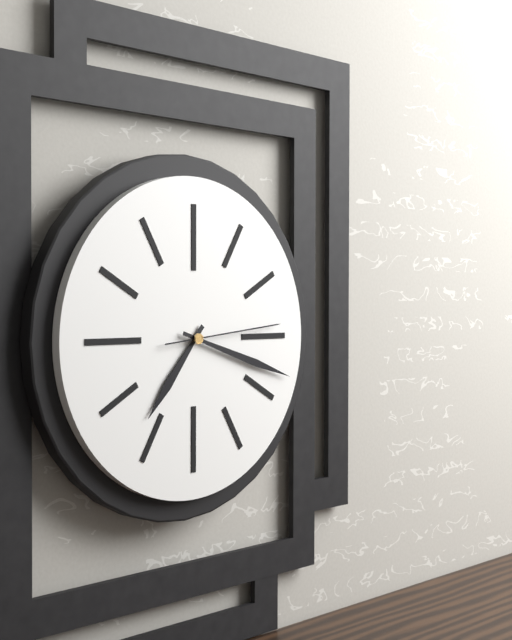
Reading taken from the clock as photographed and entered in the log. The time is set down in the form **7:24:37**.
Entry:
**7:18:14**
